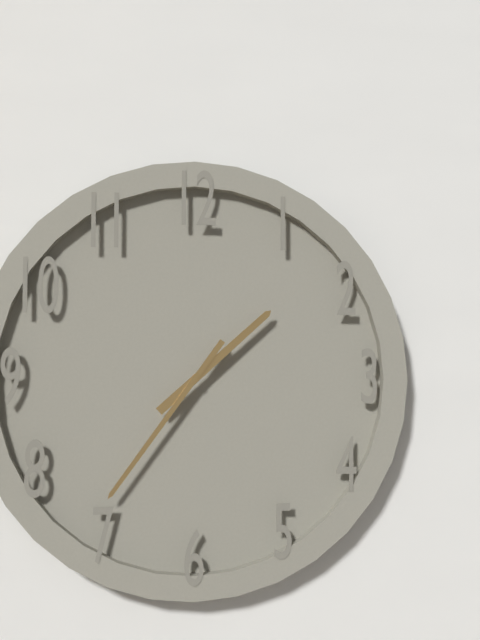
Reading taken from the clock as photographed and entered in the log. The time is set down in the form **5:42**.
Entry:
**1:36**
